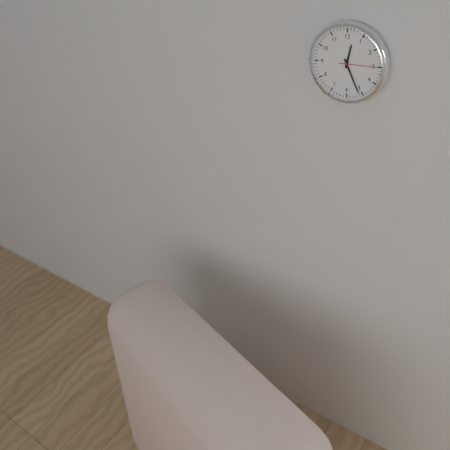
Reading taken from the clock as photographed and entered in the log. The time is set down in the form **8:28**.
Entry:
**12:26**
